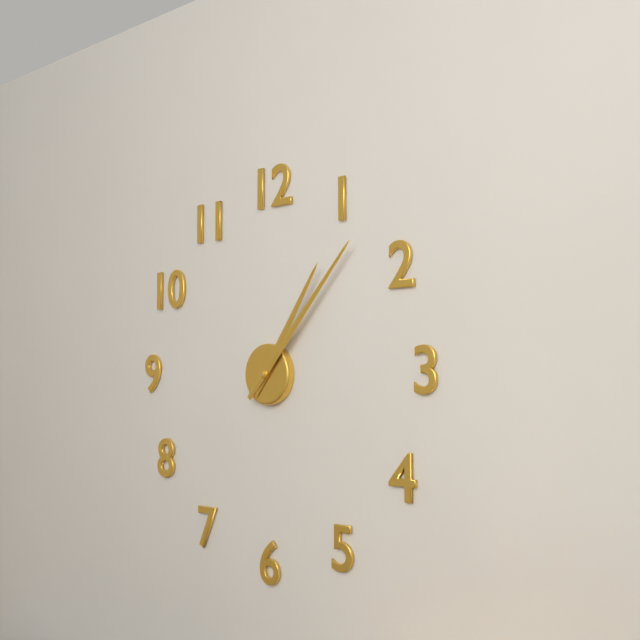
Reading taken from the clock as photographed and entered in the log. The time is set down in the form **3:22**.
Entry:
**1:07**
